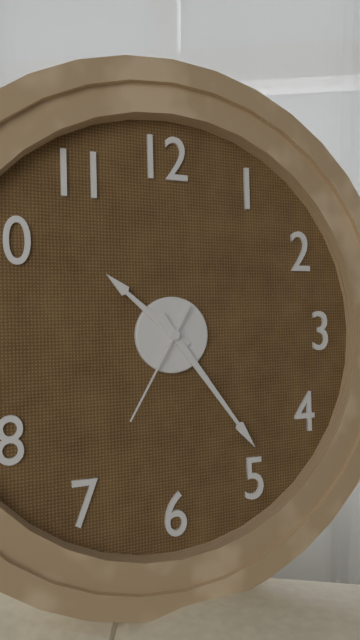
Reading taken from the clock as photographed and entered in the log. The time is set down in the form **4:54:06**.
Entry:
**10:24:35**
